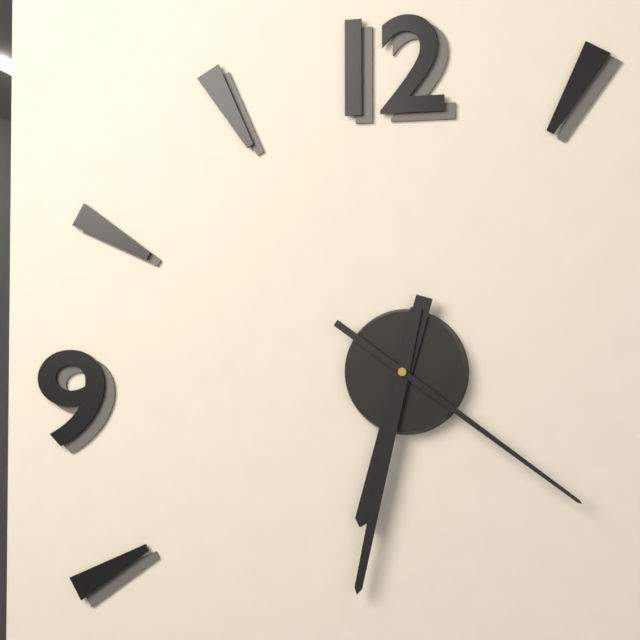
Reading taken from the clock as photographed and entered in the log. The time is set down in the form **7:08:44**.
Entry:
**6:32:21**
